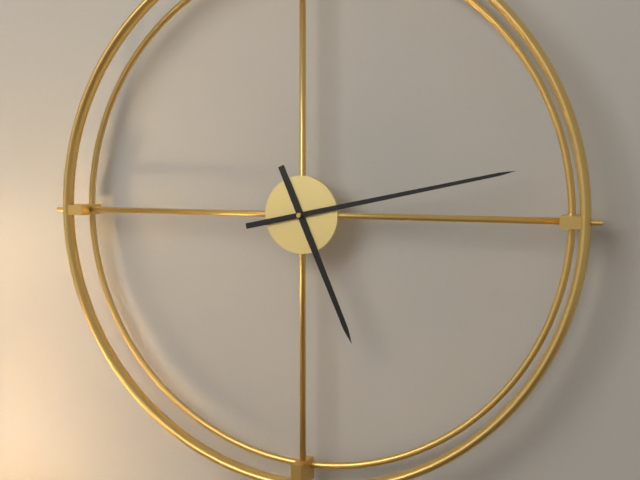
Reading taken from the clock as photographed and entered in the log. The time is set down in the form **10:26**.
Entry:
**5:13**
